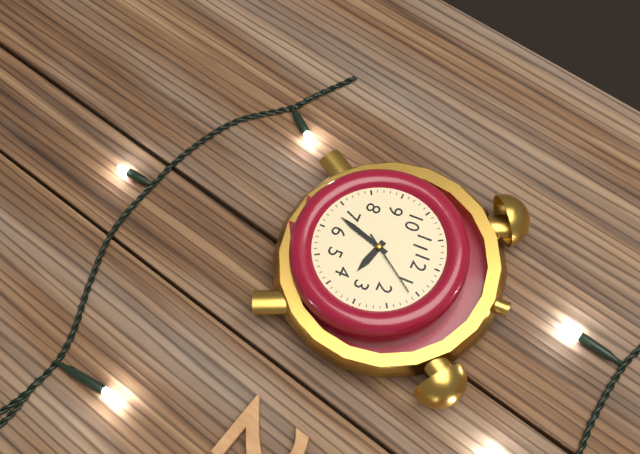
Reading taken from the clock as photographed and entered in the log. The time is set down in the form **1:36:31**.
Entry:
**3:33:06**
